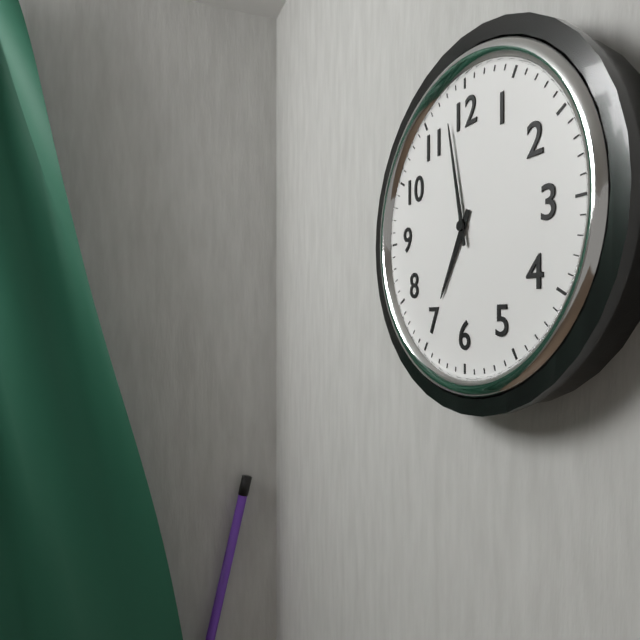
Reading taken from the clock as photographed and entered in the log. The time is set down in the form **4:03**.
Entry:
**6:58**
